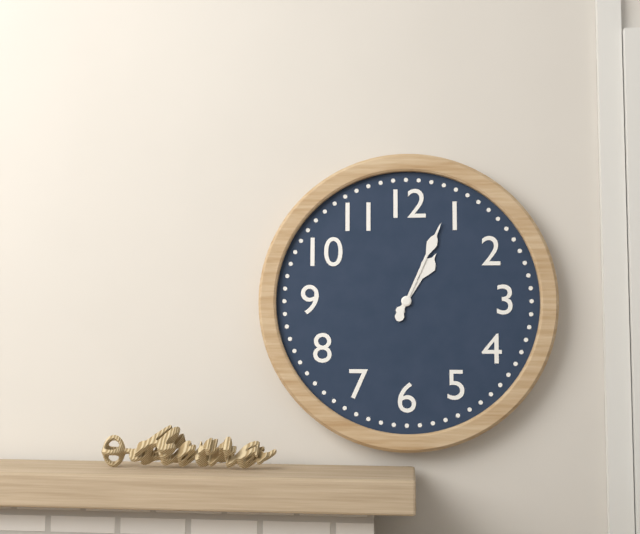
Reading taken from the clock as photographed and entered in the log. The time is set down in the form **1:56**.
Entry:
**1:04**
